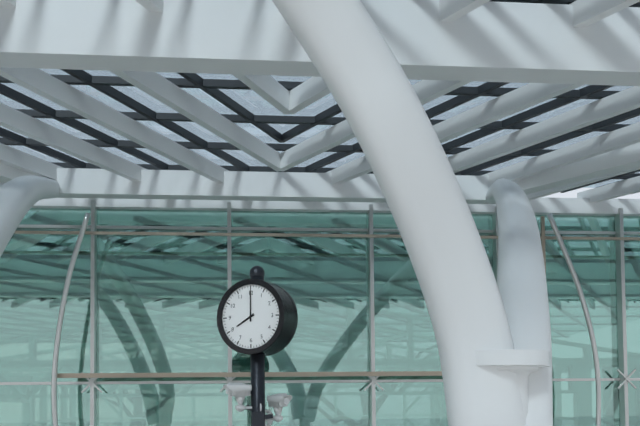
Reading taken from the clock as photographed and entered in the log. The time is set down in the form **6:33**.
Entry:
**8:00**
